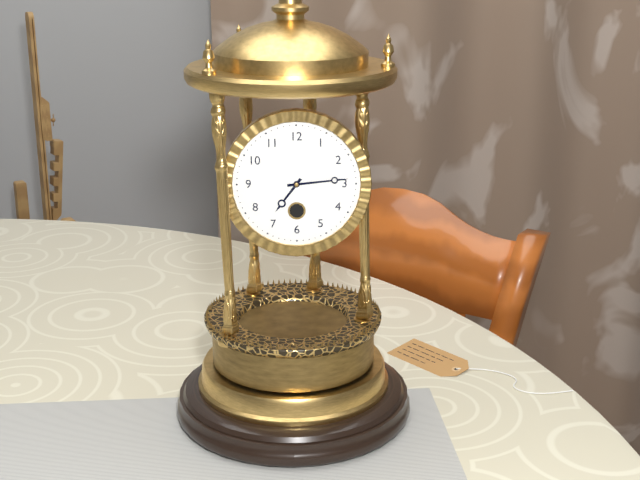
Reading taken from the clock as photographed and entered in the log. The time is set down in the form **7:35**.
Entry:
**7:14**
